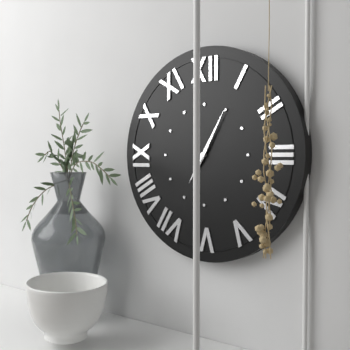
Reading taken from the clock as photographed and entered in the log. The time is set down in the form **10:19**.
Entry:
**7:05**
